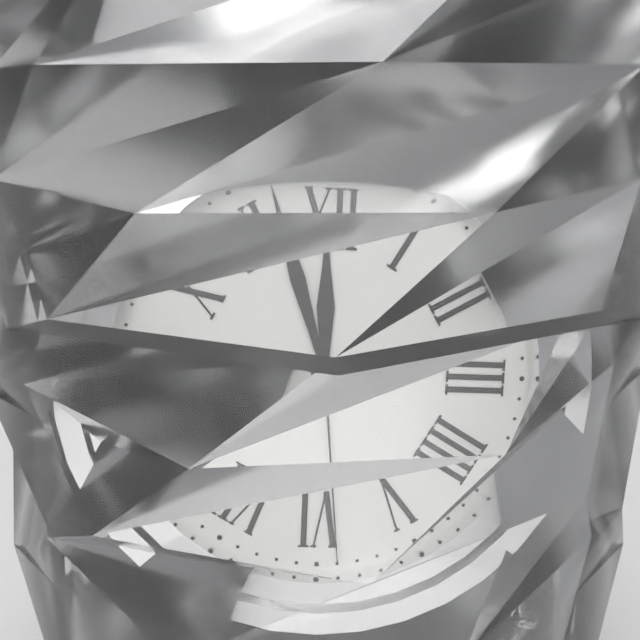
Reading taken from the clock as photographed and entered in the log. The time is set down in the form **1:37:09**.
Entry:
**11:57:29**
